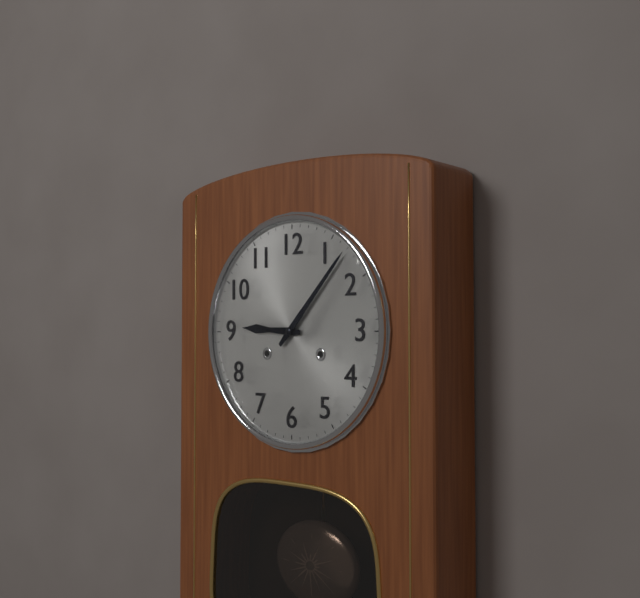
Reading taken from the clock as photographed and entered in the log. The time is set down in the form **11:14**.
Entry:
**9:07**
